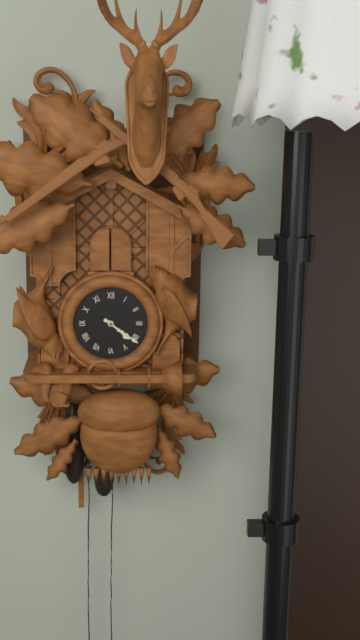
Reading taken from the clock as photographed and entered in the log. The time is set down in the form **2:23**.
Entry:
**4:21**
